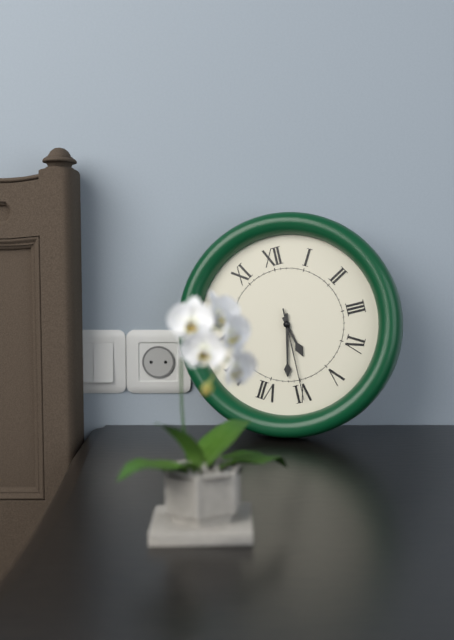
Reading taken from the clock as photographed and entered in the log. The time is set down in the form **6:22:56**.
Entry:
**5:32:30**
